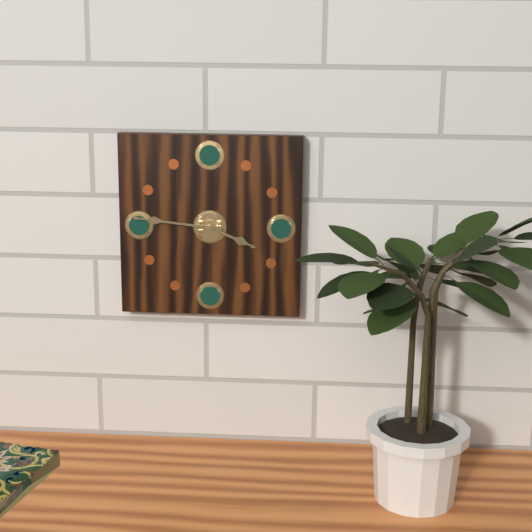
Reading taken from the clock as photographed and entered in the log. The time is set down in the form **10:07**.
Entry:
**3:46**
